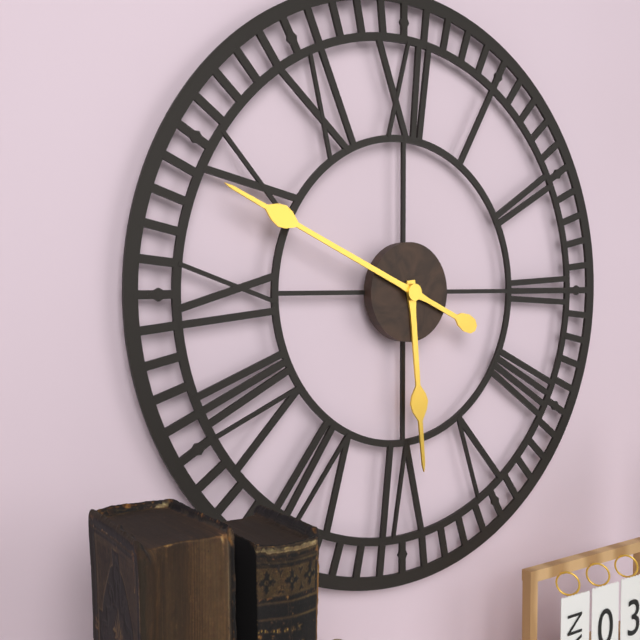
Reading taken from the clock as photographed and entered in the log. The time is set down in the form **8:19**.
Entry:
**5:49**
